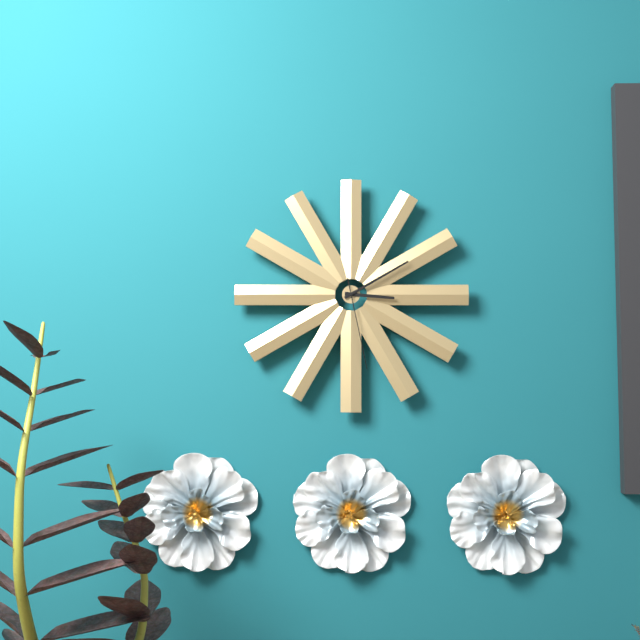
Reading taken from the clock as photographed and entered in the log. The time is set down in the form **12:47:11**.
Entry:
**3:10:28**
